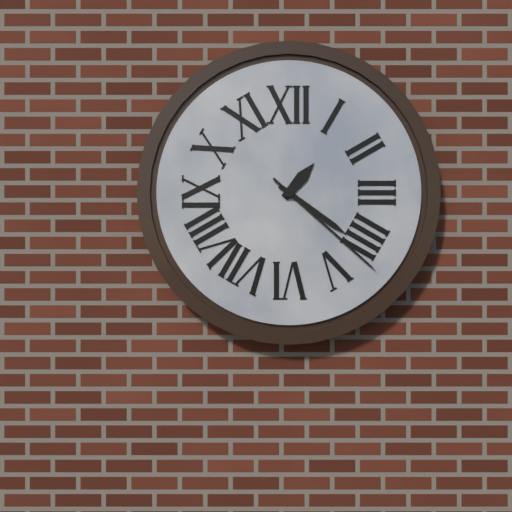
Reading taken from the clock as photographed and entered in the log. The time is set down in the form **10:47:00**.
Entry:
**1:21:22**
